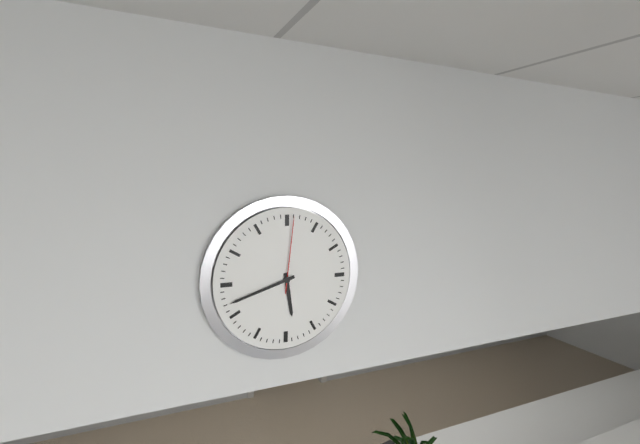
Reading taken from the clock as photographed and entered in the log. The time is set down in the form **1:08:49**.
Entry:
**5:42:01**
